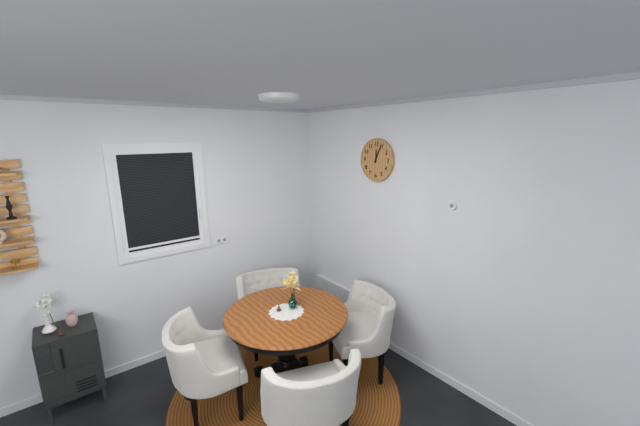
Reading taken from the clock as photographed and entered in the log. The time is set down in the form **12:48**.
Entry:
**12:04**
